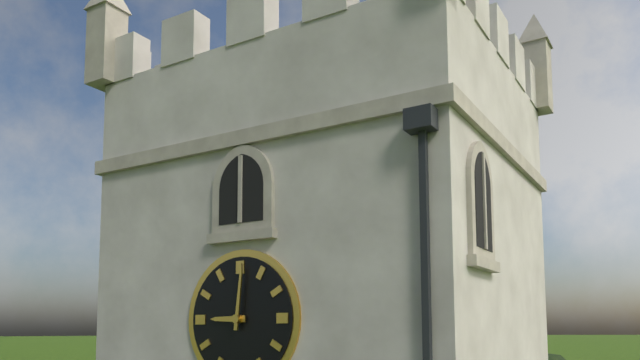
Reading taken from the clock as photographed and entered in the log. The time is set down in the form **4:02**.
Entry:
**9:01**
